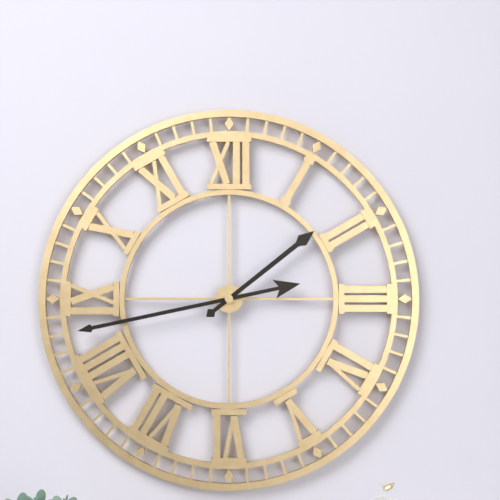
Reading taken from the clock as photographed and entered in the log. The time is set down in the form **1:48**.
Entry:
**1:43**
